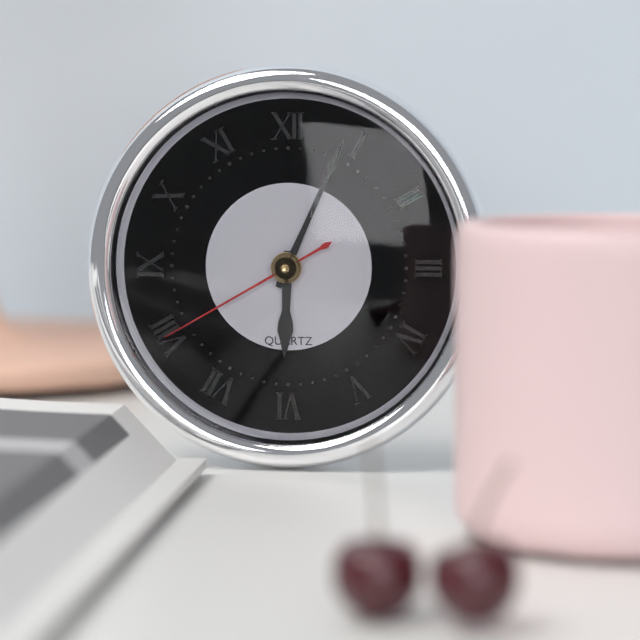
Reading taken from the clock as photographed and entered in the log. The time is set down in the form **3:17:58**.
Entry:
**6:04:40**
